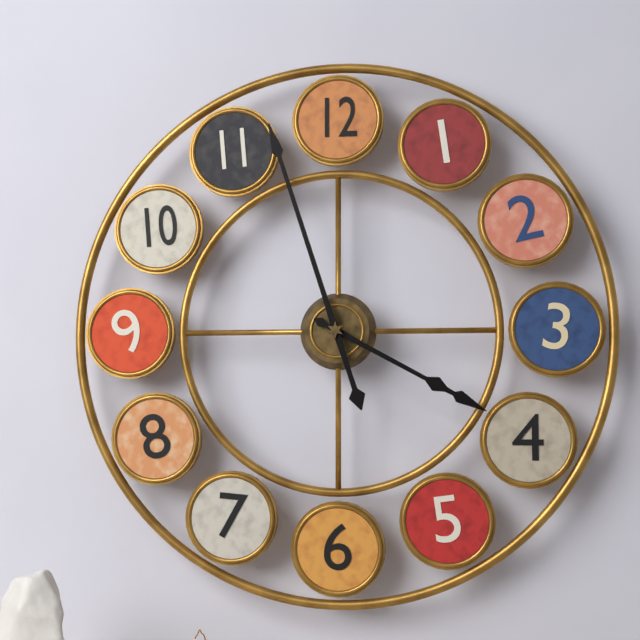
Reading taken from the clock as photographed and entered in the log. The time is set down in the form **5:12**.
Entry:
**3:57**
